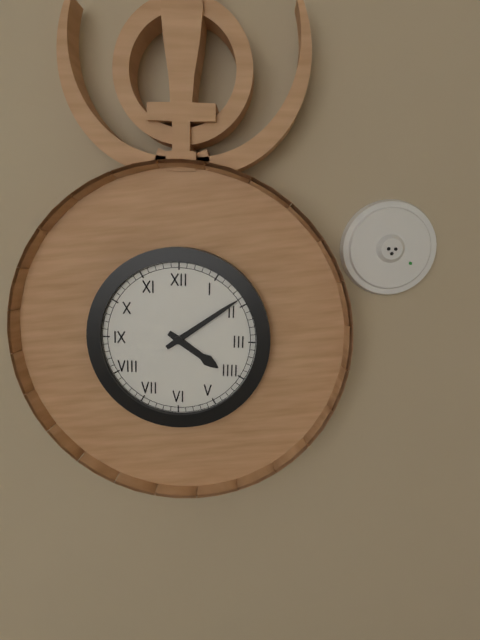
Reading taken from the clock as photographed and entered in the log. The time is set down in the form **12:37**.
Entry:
**4:09**
